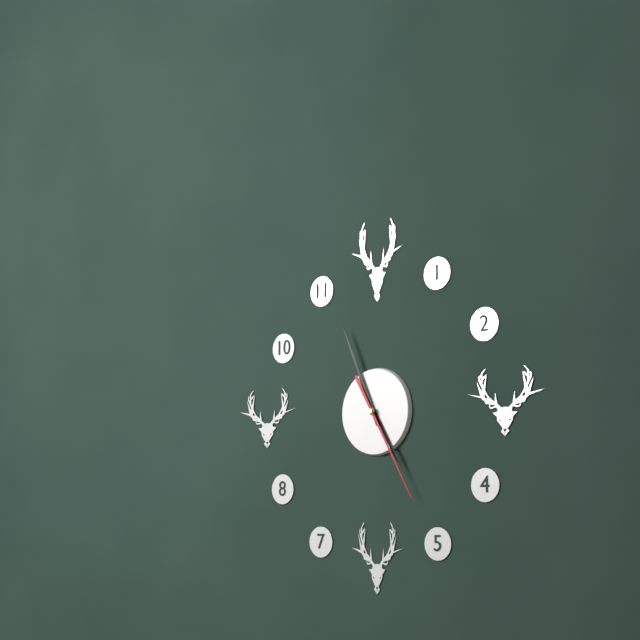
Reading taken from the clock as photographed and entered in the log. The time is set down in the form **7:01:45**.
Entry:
**4:56:25**
